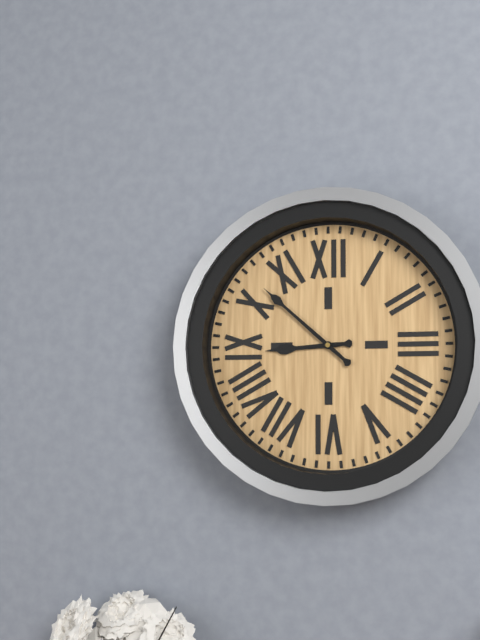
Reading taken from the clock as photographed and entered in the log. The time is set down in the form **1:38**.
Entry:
**8:52**
